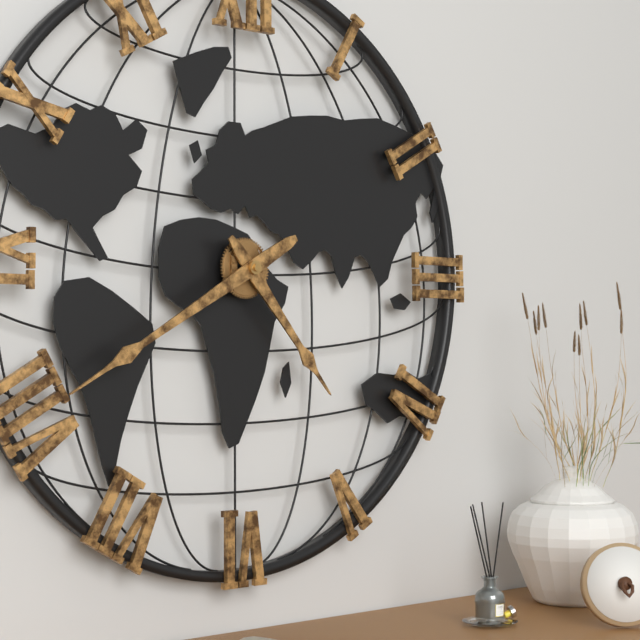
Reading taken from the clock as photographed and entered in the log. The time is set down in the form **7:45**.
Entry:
**4:40**
